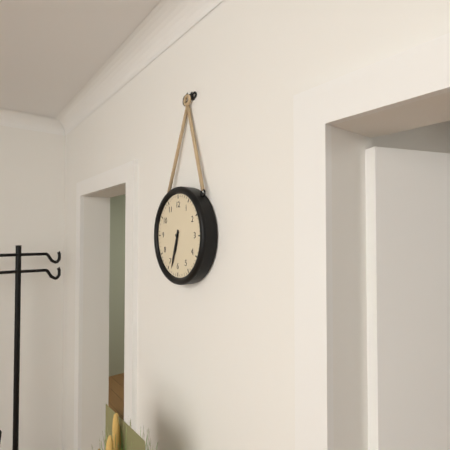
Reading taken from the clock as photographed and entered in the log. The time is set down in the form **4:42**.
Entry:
**6:33**
